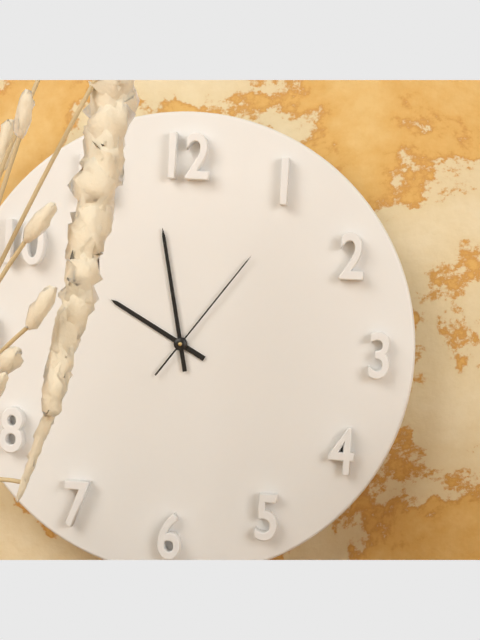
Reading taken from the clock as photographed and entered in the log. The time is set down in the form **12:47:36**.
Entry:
**9:58:06**
